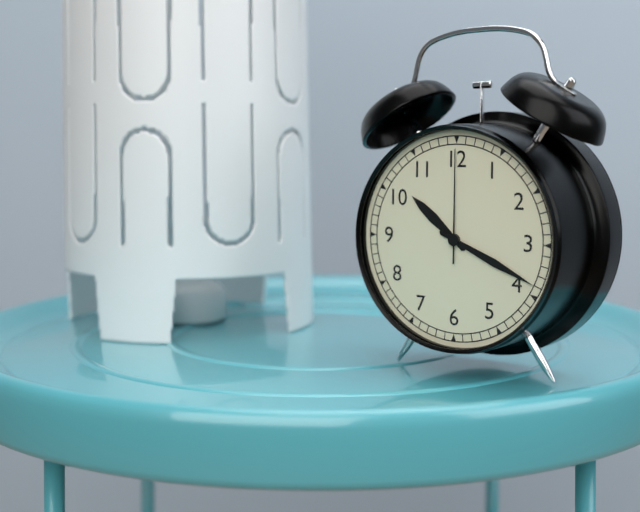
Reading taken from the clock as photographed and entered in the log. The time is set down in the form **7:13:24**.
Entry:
**10:19:00**
